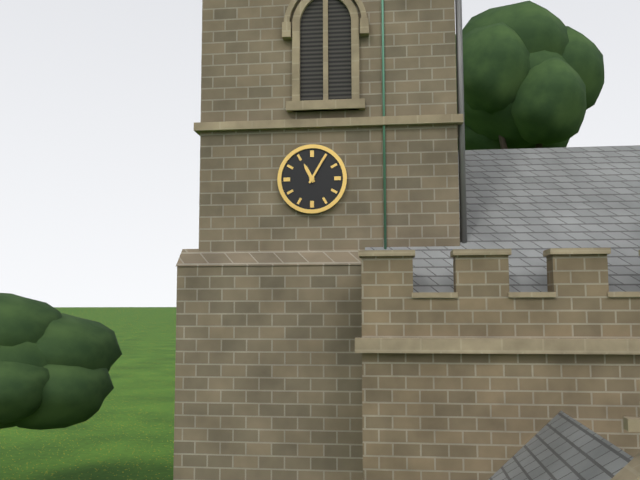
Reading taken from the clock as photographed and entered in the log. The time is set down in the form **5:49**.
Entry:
**11:05**
